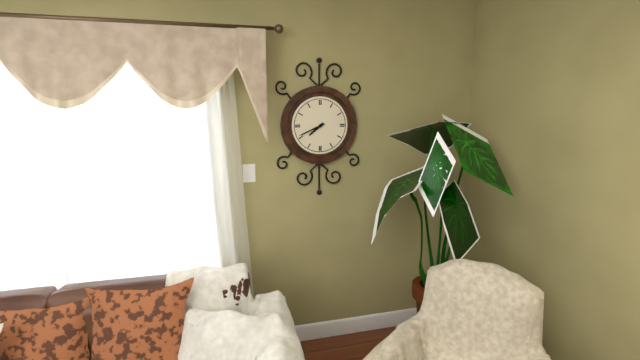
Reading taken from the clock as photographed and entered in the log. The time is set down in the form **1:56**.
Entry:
**7:41**
